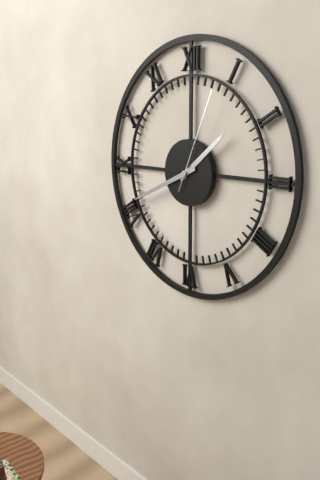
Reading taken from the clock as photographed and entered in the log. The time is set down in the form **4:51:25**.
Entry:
**1:41:04**
